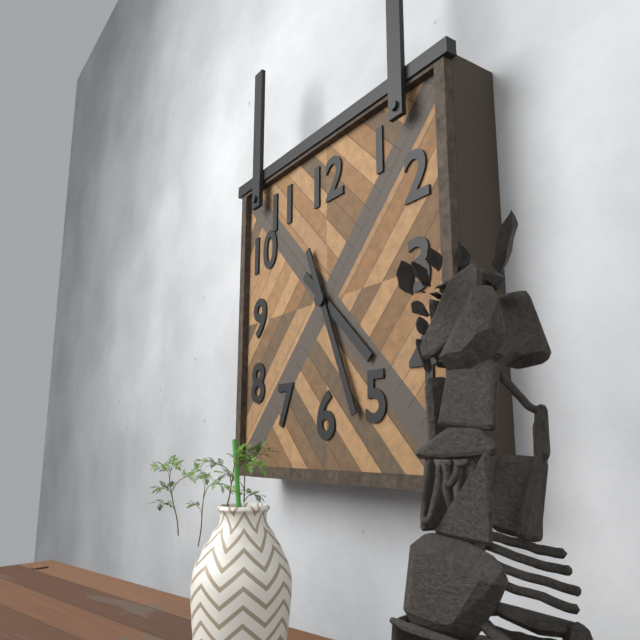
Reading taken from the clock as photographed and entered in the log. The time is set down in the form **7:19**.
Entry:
**4:26**
